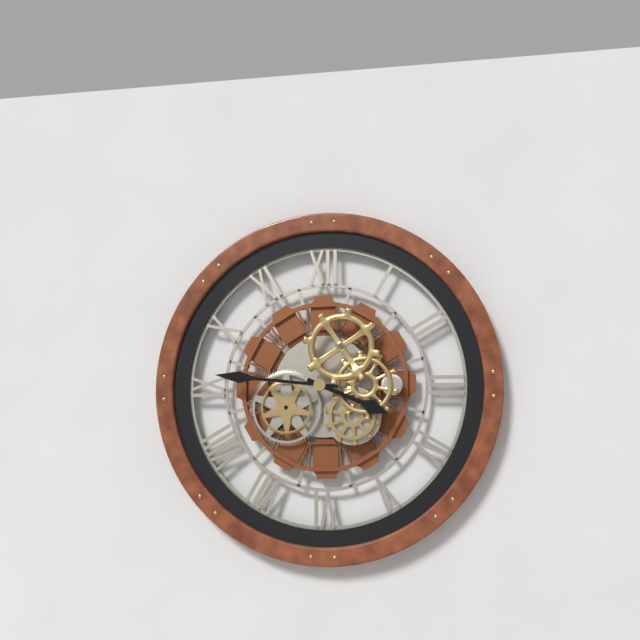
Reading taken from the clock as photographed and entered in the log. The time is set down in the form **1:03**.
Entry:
**3:46**
